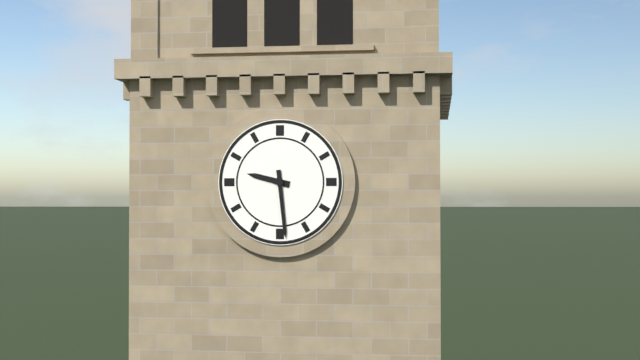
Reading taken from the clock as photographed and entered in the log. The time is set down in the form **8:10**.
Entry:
**9:29**
